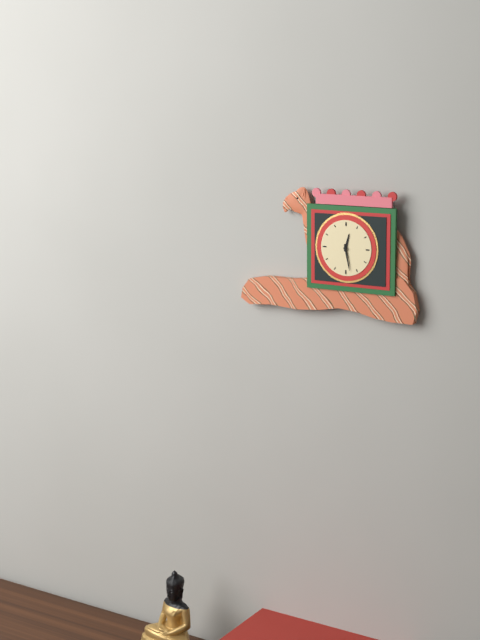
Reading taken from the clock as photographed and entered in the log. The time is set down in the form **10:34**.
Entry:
**12:28**
